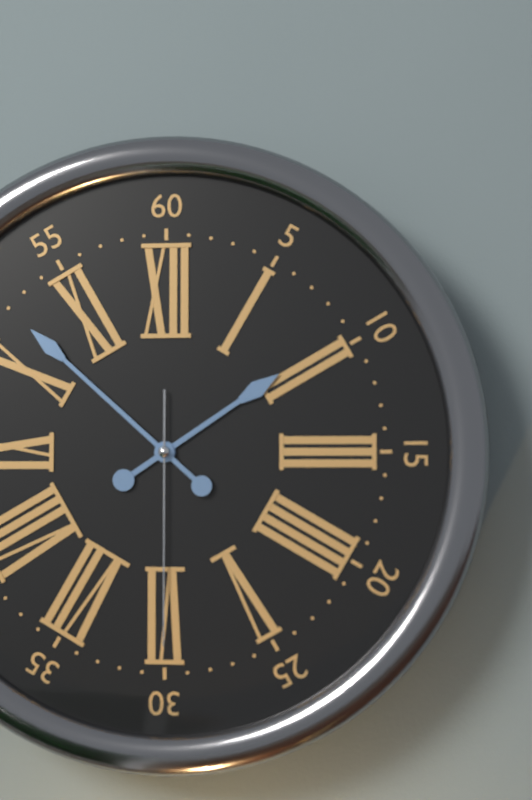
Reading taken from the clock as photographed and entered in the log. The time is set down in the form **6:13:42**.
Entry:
**1:52:30**
